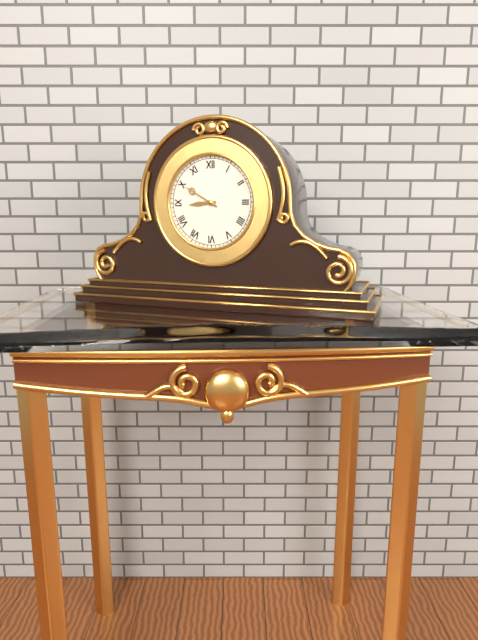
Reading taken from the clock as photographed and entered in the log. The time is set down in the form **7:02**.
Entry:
**8:50**
